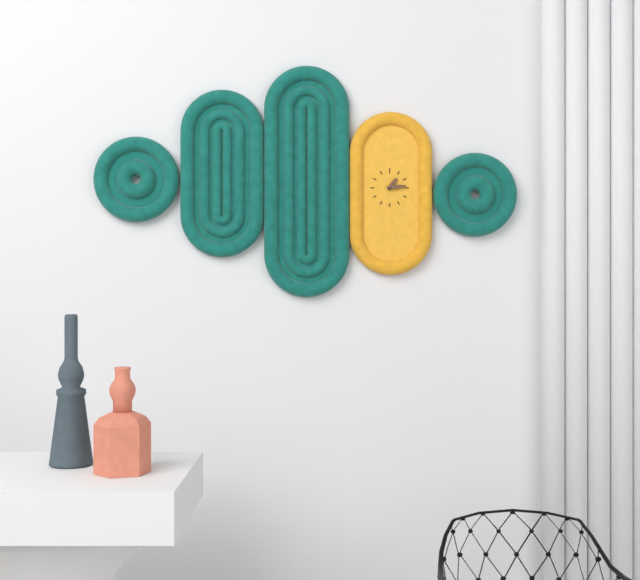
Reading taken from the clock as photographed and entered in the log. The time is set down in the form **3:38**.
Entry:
**1:14**
